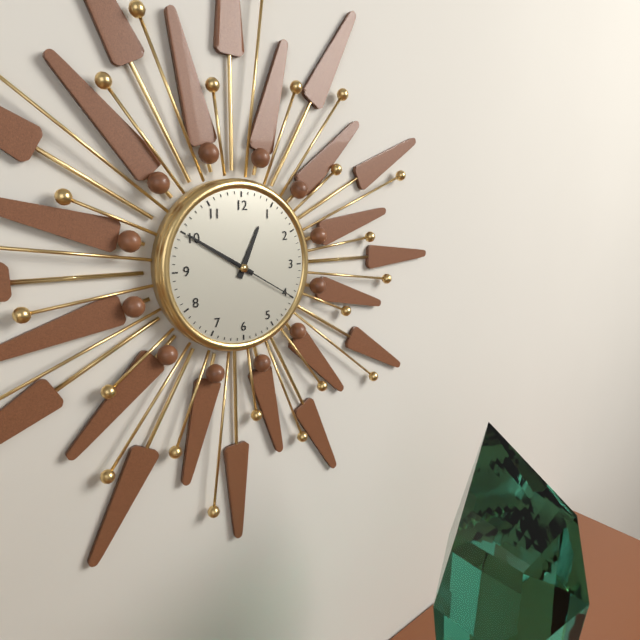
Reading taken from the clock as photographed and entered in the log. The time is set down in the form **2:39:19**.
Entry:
**12:50:20**
